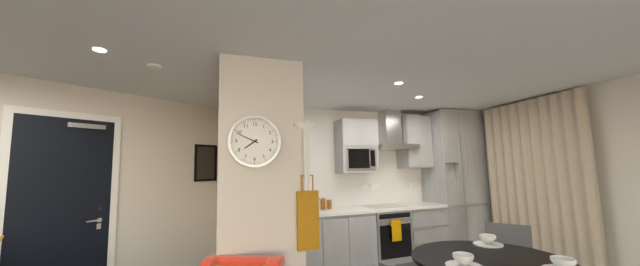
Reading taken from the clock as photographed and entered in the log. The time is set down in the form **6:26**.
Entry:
**7:49**
